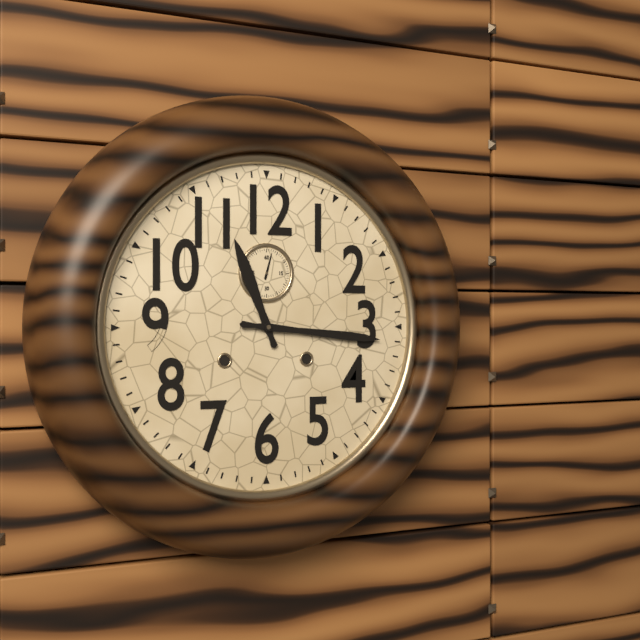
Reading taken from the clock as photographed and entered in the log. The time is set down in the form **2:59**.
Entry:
**11:16**
